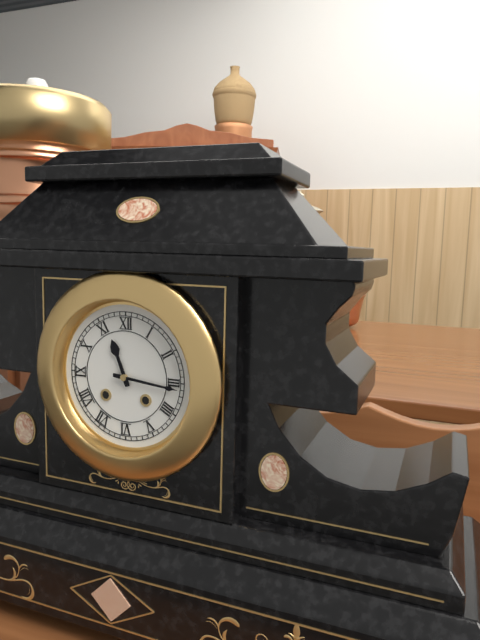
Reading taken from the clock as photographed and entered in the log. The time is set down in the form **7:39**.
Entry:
**11:16**
